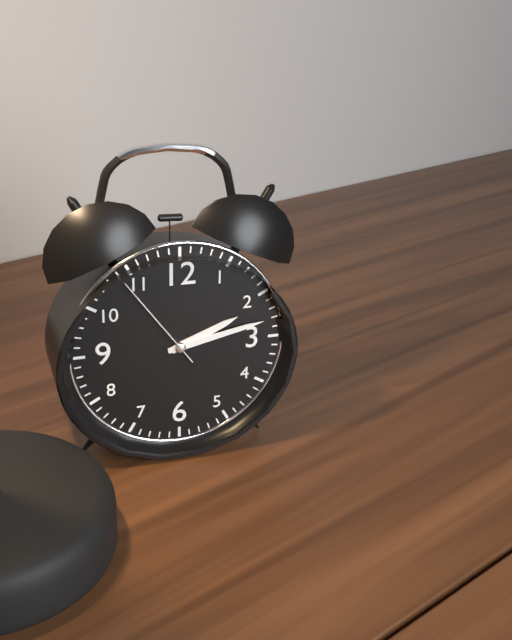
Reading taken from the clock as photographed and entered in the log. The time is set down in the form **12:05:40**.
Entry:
**2:13:54**
